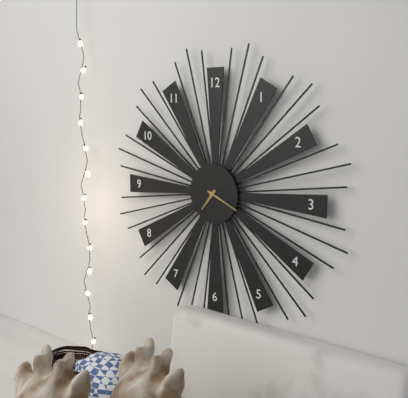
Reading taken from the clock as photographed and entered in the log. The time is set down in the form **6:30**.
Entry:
**7:19**
